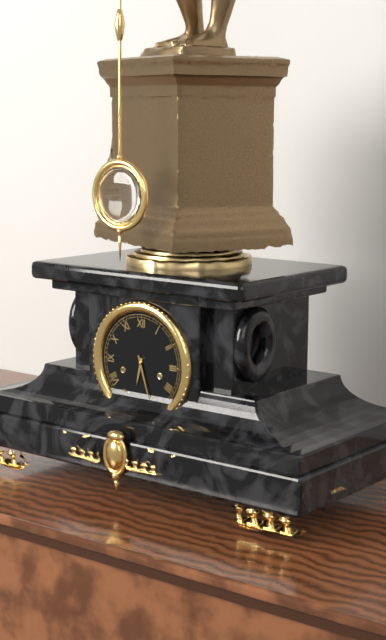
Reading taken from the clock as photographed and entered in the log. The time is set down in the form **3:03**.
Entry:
**6:27**
